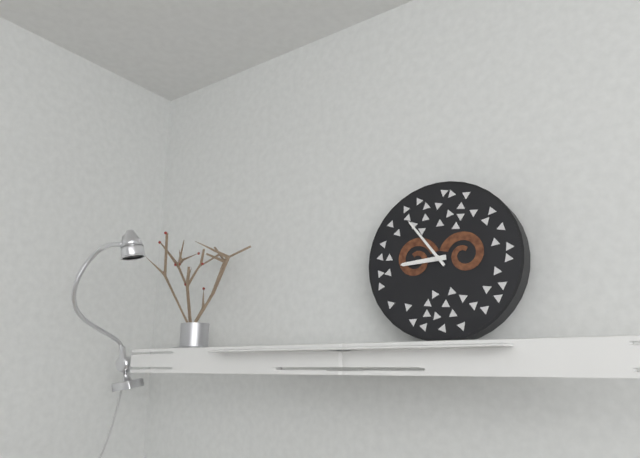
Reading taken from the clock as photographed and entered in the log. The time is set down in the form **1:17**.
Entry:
**8:54**
